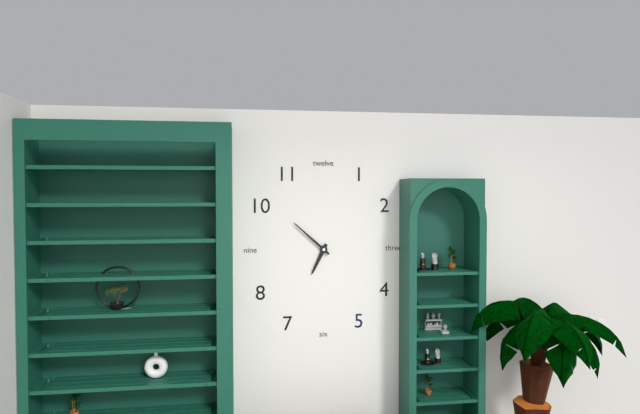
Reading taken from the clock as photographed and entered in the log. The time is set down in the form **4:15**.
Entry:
**6:52**
